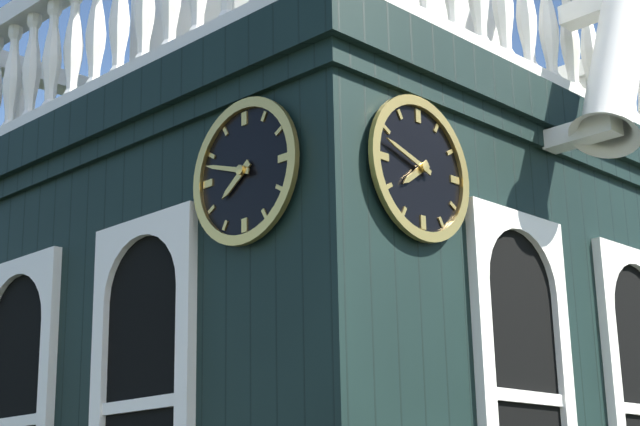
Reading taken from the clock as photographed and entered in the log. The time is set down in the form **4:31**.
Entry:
**7:48**
